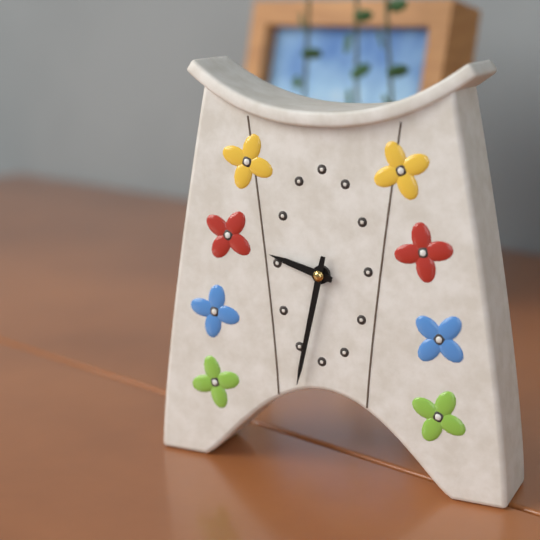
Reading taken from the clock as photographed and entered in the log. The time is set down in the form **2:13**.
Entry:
**9:32**
